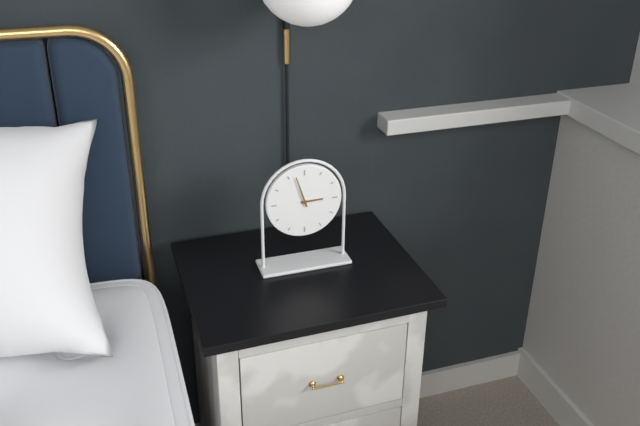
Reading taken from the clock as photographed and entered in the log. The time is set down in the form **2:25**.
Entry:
**2:57**
